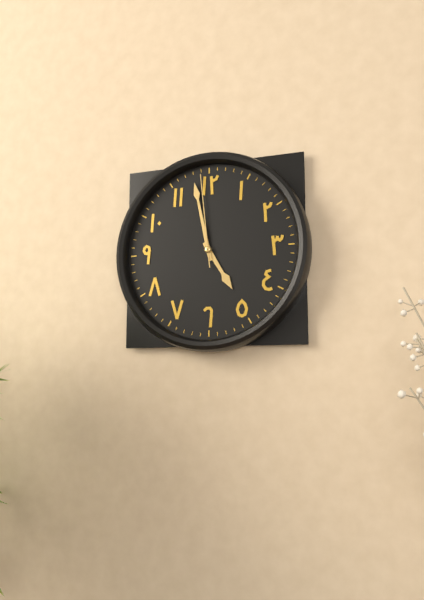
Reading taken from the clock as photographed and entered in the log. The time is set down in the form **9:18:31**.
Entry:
**4:58:59**
